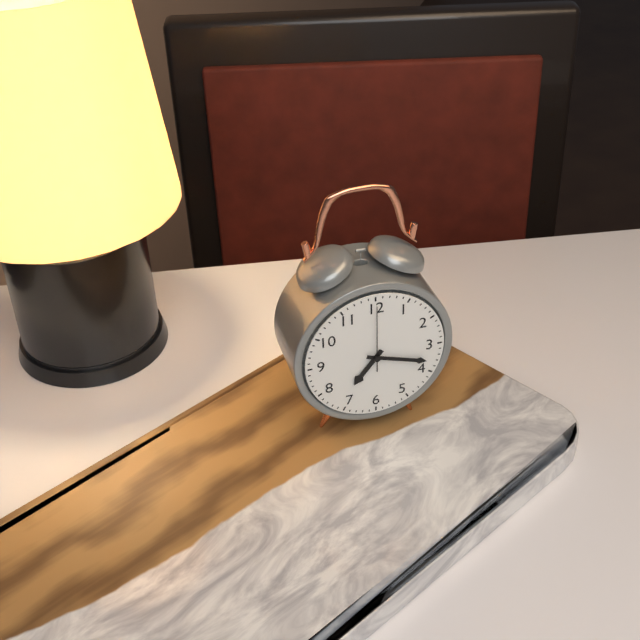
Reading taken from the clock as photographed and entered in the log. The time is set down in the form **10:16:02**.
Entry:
**7:18:00**
